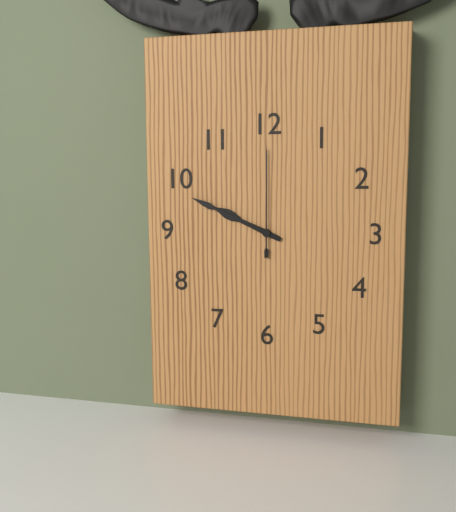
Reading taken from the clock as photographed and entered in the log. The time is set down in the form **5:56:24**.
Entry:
**9:49:00**
